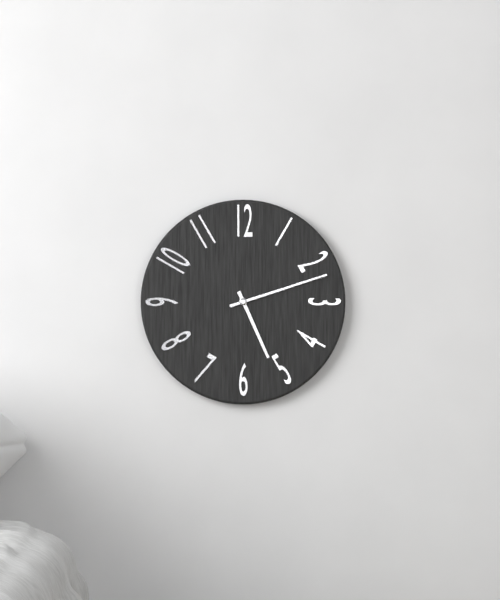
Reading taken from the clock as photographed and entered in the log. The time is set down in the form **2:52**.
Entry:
**5:12**
